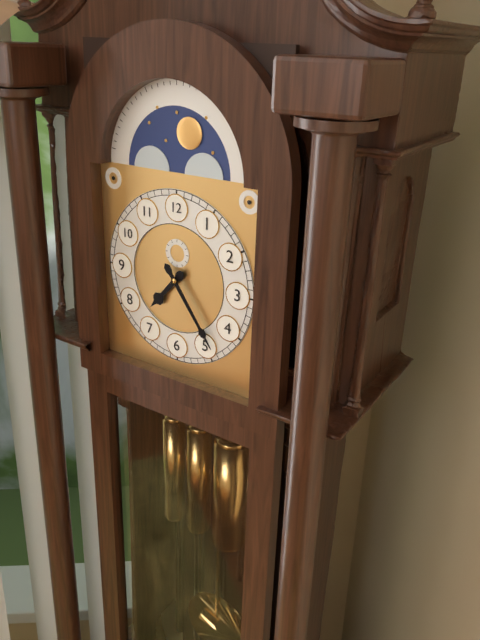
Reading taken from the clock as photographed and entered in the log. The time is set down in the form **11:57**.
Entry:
**7:24**
